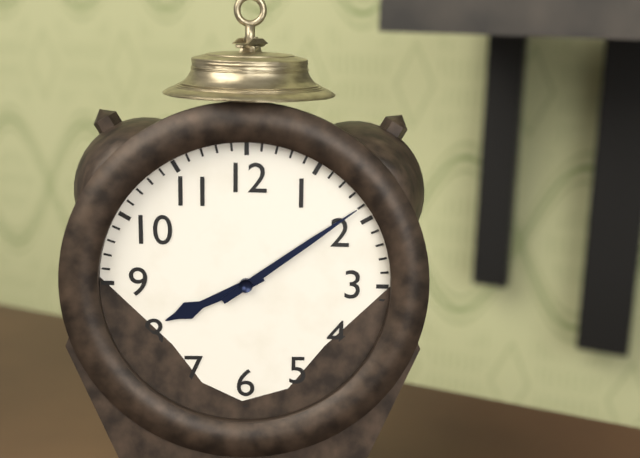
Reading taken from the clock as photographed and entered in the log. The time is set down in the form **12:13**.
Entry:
**8:09**
